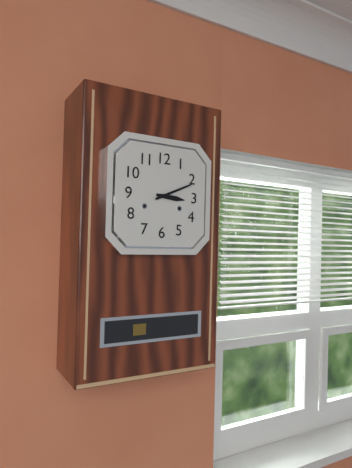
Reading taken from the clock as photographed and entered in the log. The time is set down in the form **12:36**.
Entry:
**3:11**
